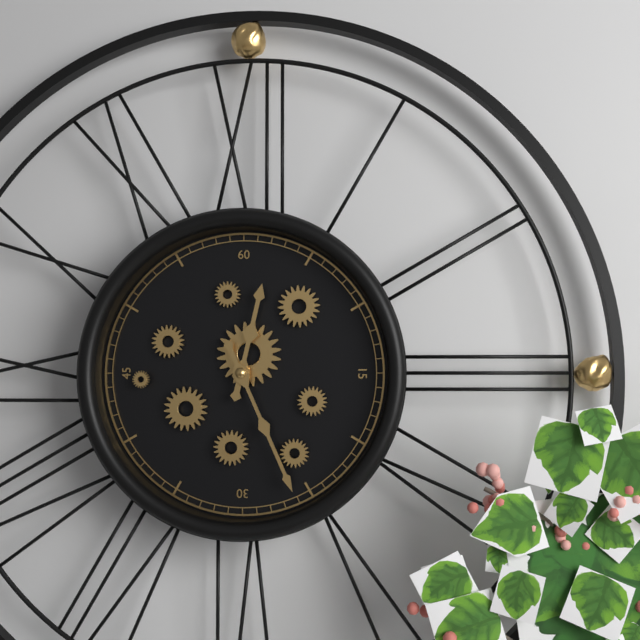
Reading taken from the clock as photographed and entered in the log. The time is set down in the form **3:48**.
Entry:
**12:26**
